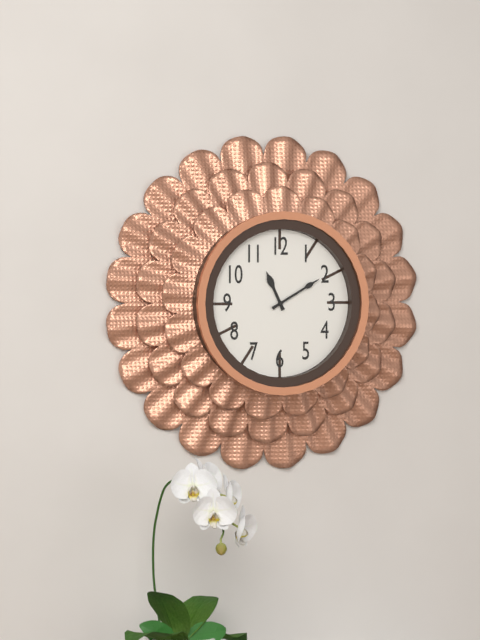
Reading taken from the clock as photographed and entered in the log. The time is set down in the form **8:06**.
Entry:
**11:10**
